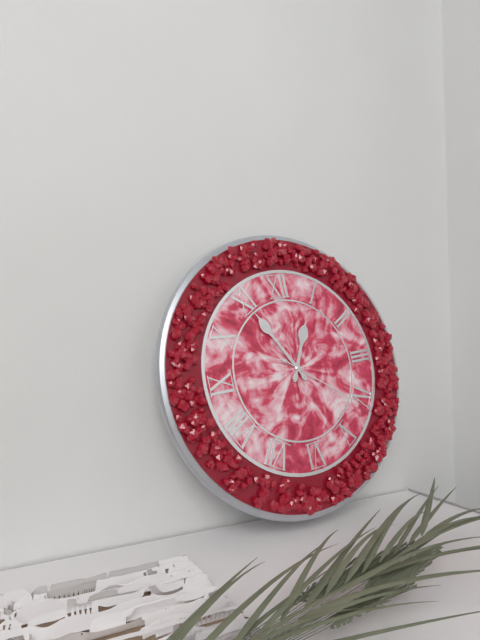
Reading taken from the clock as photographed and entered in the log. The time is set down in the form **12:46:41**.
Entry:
**12:55:21**
